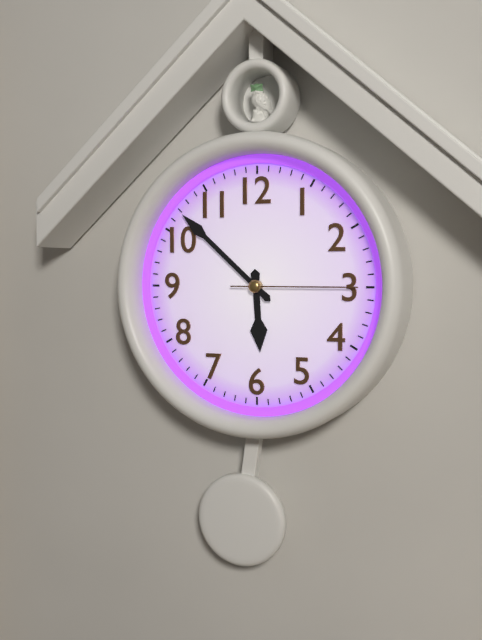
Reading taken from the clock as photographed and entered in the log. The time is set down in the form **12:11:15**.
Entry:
**5:52:15**
